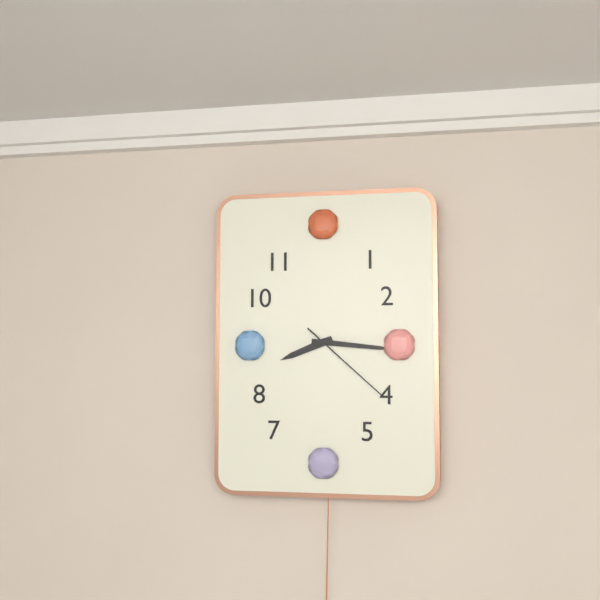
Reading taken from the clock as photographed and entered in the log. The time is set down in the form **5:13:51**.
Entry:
**8:16:22**
